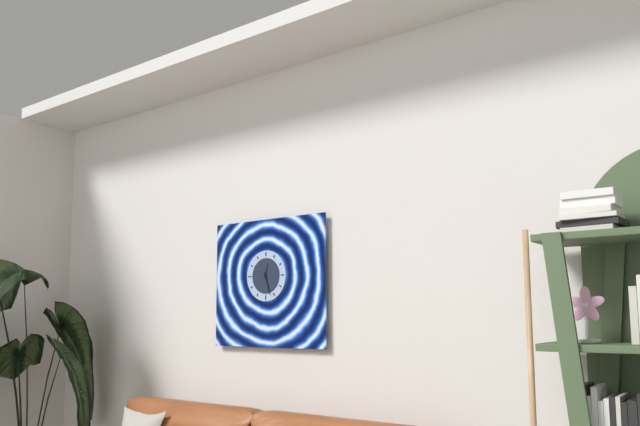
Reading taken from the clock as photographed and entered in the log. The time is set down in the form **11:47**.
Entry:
**12:27**
